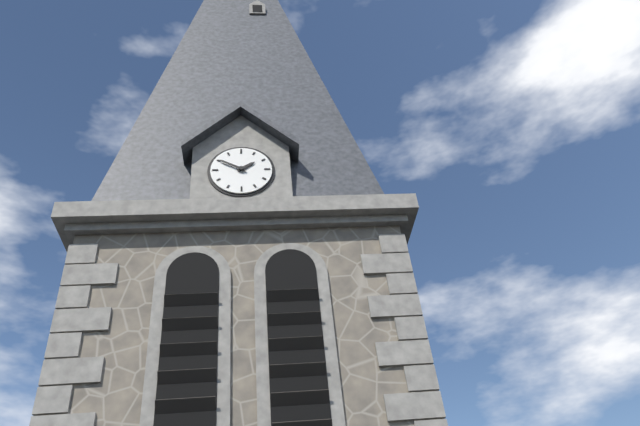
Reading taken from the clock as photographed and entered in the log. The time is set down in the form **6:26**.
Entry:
**1:50**
